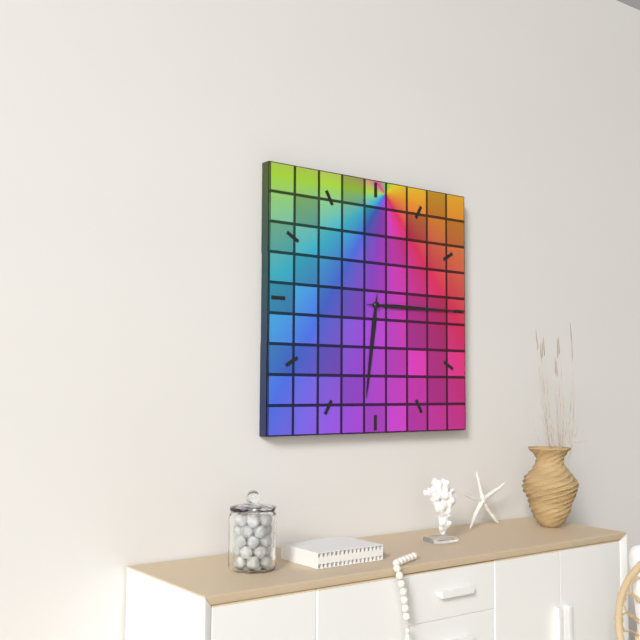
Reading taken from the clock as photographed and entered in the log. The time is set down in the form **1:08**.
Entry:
**6:15**
